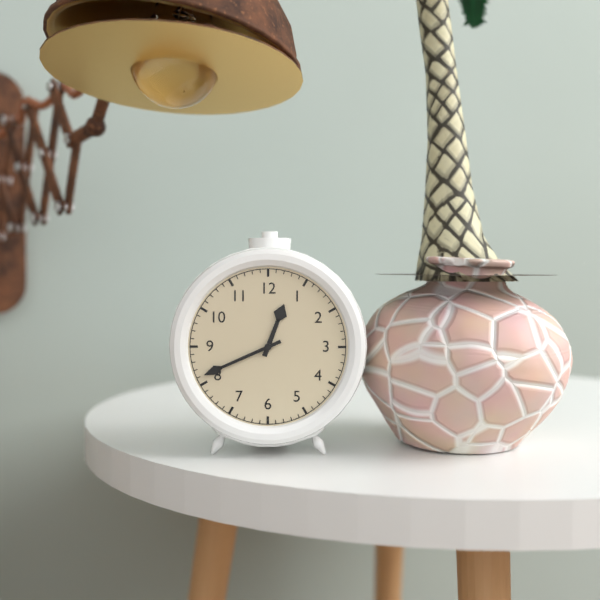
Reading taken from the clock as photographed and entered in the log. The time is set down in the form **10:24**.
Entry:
**12:41**
